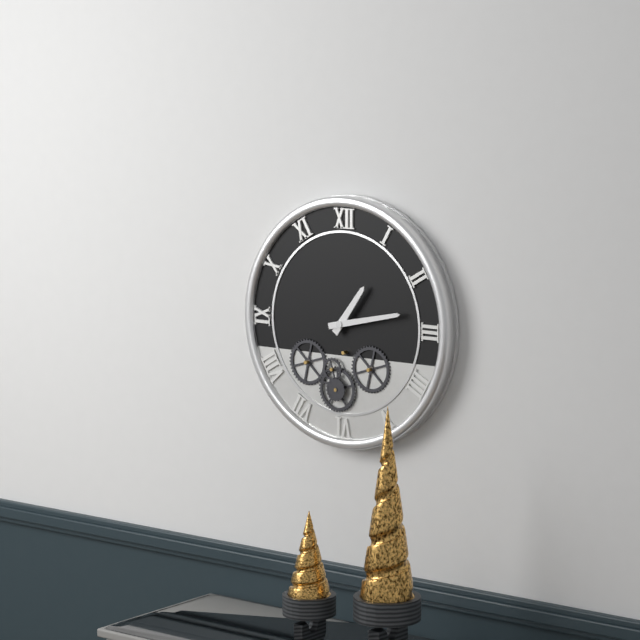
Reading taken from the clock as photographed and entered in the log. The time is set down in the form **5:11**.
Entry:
**1:13**
